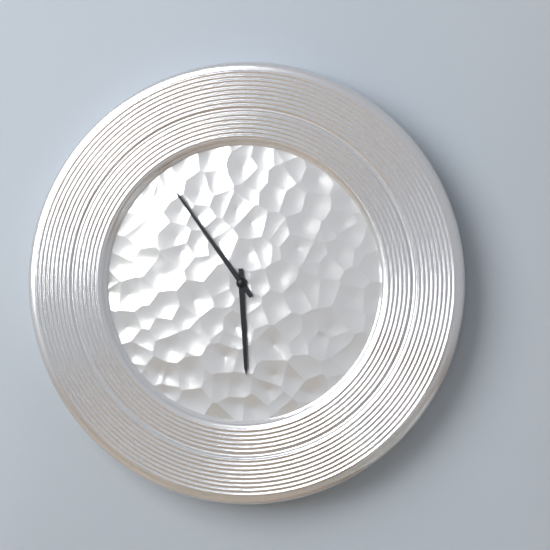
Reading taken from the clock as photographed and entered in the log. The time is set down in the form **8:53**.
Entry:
**5:54**
